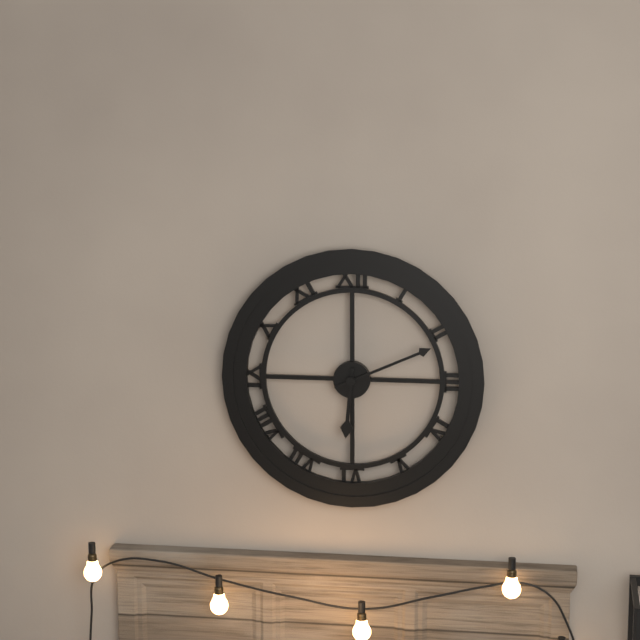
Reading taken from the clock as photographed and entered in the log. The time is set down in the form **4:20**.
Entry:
**6:11**
